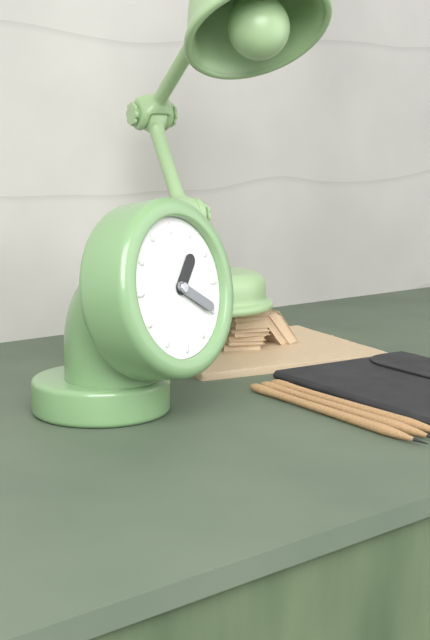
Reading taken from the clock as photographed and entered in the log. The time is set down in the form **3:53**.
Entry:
**1:20**
